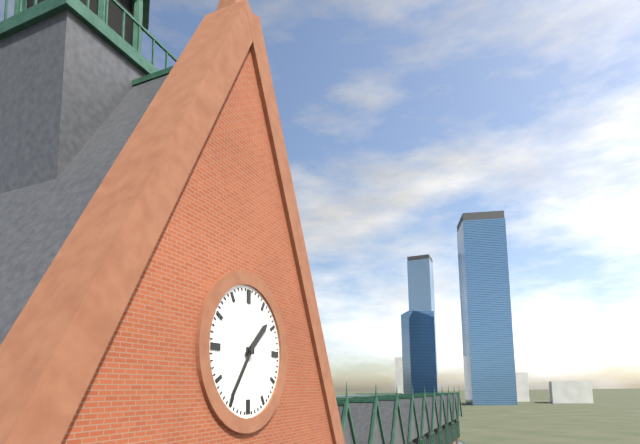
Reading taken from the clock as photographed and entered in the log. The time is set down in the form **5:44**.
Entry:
**1:36**
